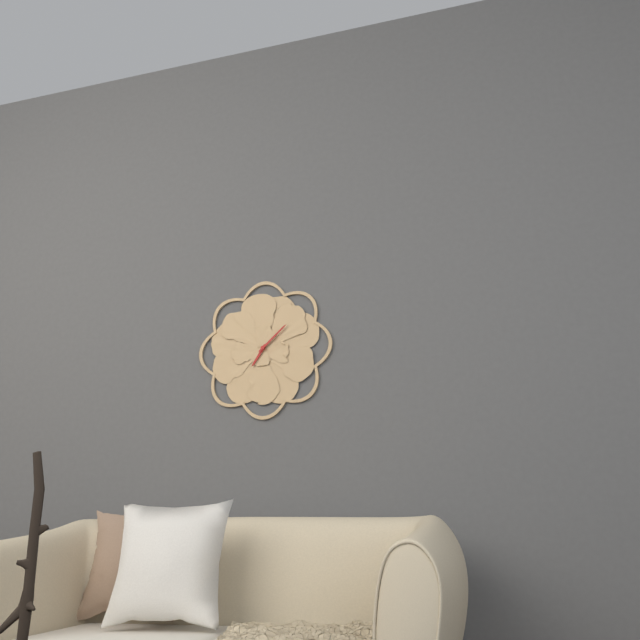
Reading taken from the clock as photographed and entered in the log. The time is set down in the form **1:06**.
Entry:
**7:08**
